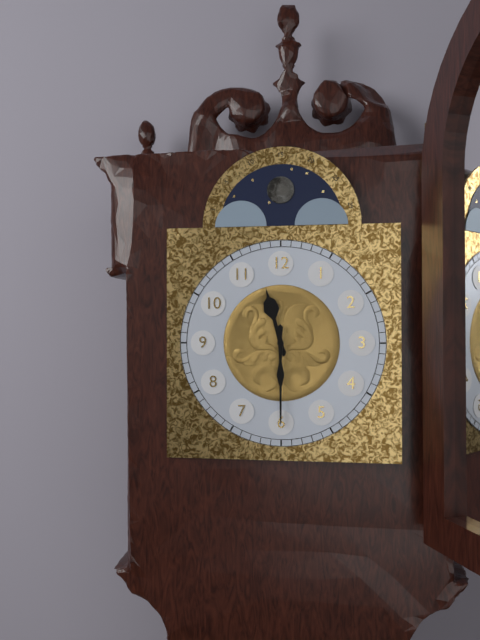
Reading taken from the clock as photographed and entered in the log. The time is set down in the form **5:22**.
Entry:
**11:30**
